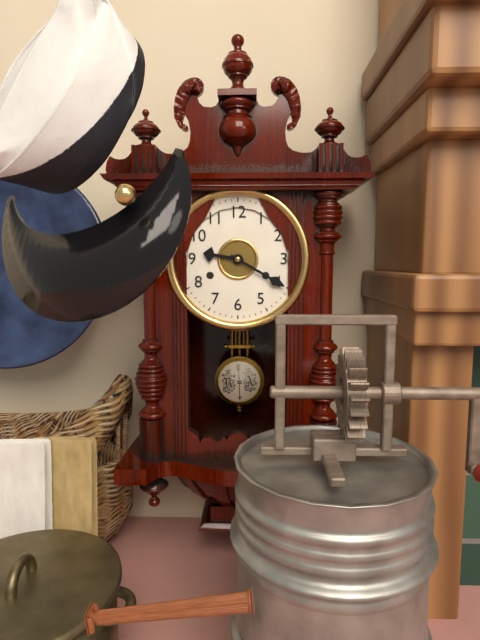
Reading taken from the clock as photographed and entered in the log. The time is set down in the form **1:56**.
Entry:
**9:20**
